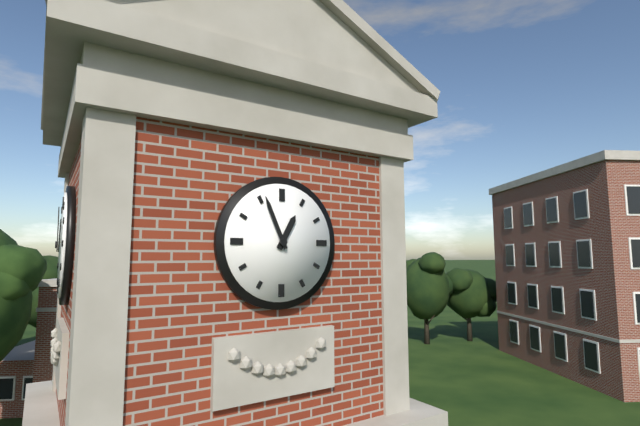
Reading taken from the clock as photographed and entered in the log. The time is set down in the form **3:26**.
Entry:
**12:56**
